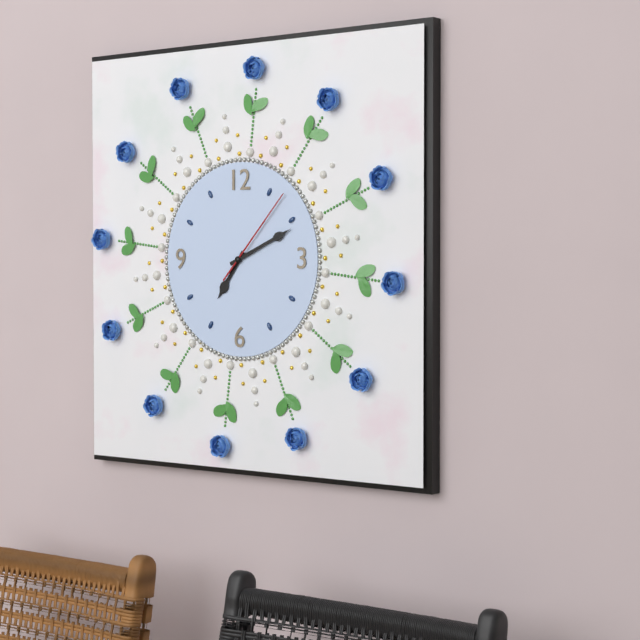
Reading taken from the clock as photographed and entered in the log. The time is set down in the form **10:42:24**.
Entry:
**7:11:07**
